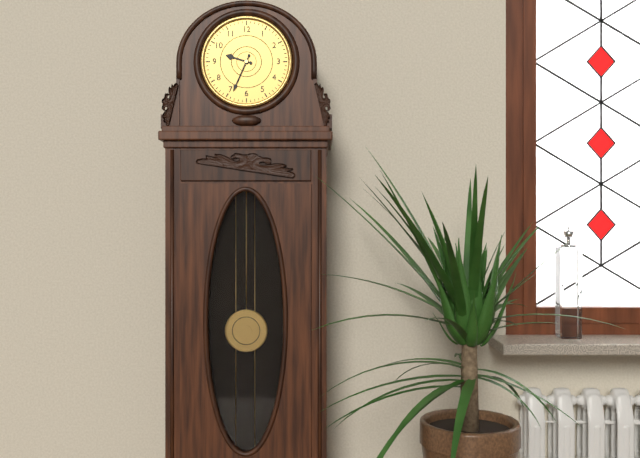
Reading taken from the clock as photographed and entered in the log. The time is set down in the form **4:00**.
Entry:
**9:34**
